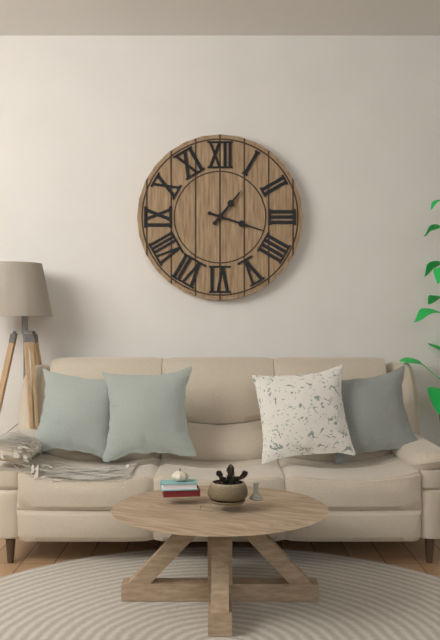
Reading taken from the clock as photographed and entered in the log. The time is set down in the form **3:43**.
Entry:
**1:18**
